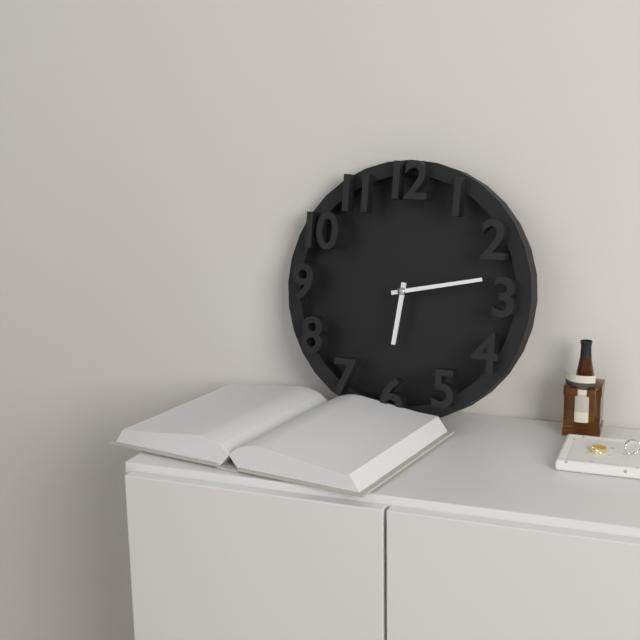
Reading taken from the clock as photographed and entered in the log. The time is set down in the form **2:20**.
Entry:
**6:13**
